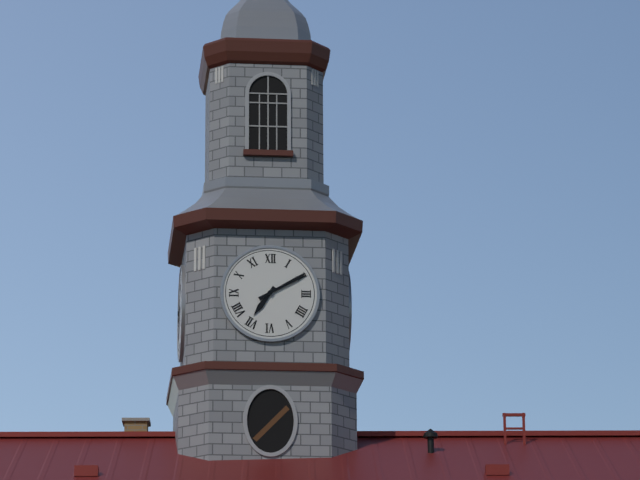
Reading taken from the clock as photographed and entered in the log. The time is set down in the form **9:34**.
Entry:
**7:10**
